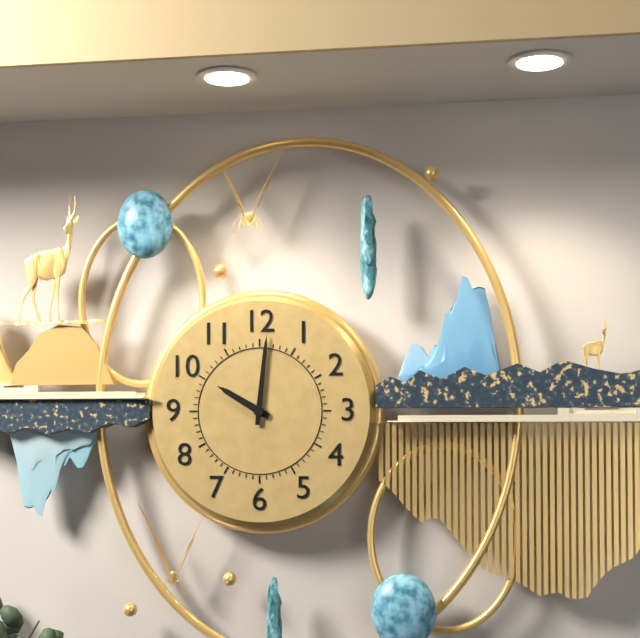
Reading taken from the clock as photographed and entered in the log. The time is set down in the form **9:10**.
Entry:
**10:01**
